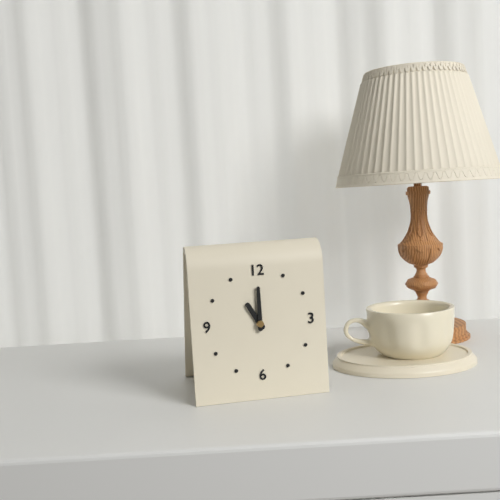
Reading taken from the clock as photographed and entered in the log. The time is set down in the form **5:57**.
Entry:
**11:00**
